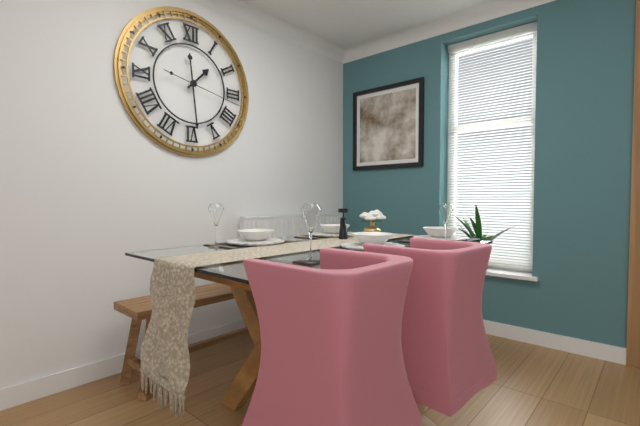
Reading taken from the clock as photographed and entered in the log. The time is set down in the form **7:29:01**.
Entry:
**1:29:17**
